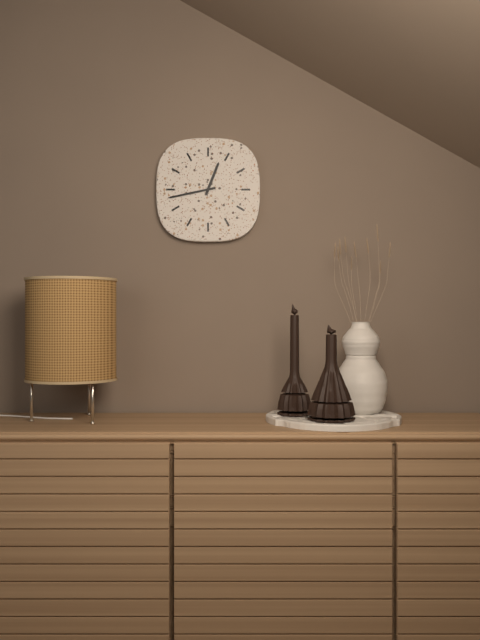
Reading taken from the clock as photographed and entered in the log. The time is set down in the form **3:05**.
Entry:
**12:43**
